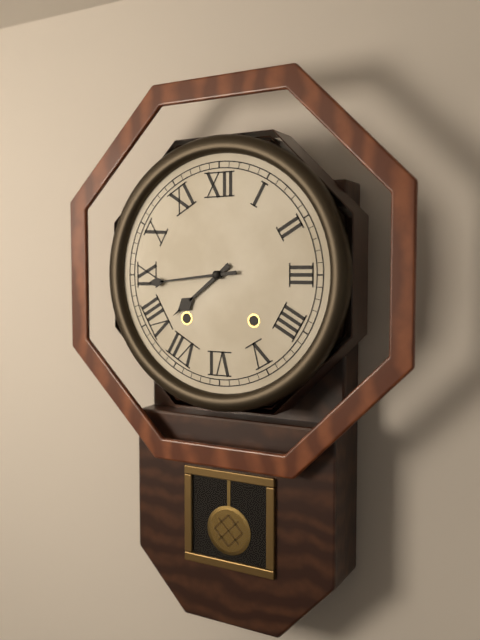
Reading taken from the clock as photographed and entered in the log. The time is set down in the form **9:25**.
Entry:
**7:44**
